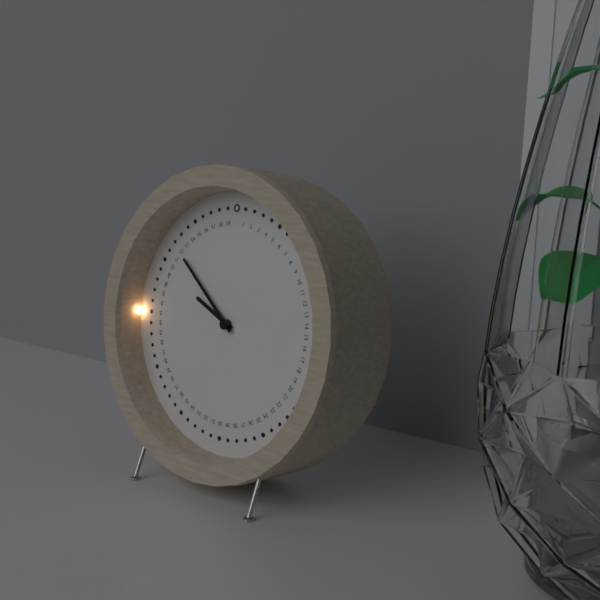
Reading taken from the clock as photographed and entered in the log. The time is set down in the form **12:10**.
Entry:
**9:52**
